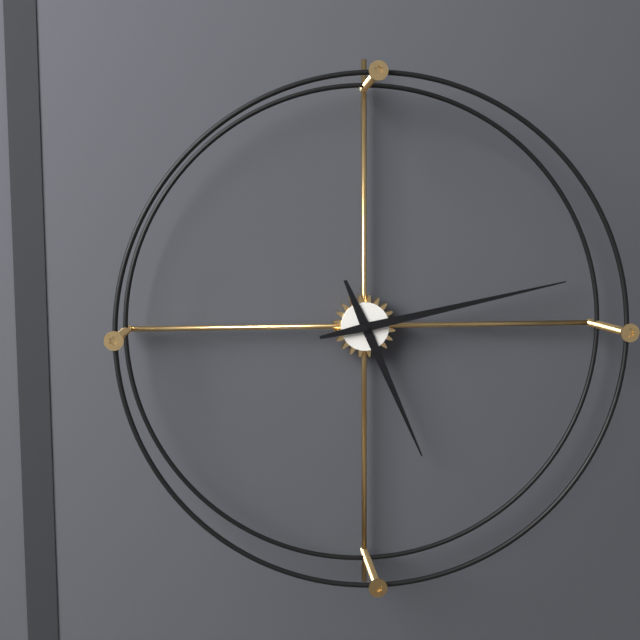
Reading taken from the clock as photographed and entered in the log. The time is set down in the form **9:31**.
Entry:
**5:13**
